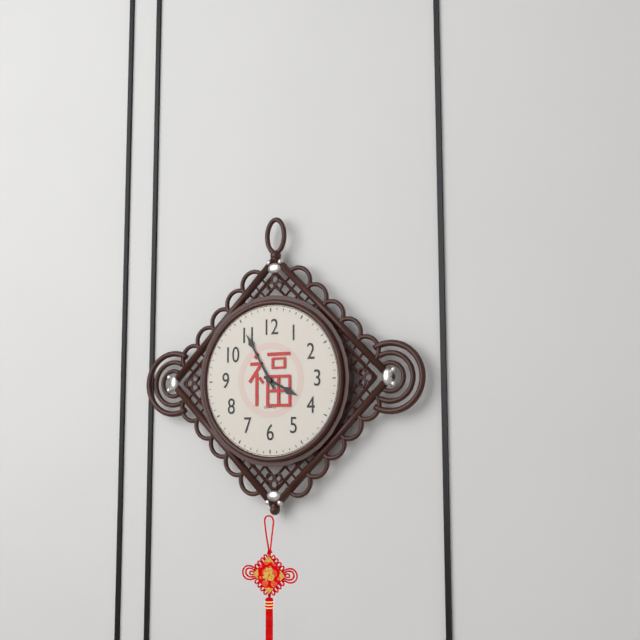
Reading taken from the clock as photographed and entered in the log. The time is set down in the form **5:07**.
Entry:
**3:55**
